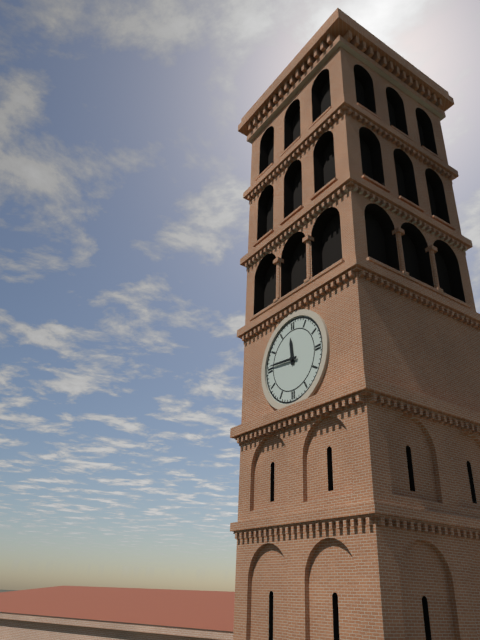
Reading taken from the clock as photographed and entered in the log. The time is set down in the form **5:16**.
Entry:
**11:46**
